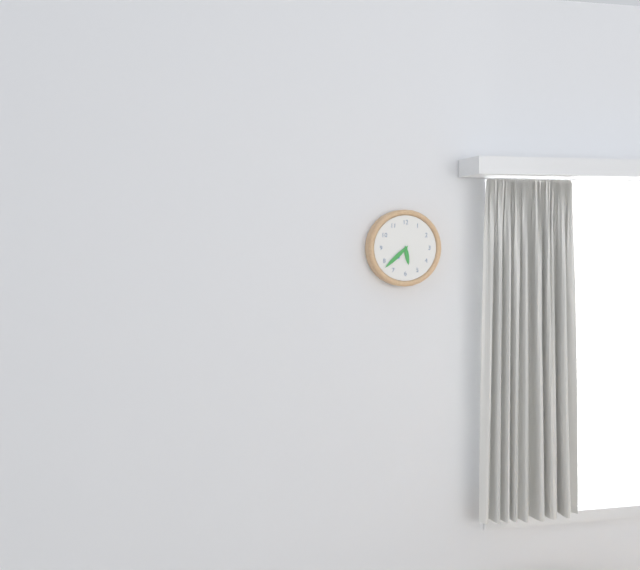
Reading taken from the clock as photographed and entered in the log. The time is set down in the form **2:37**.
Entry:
**5:38**
